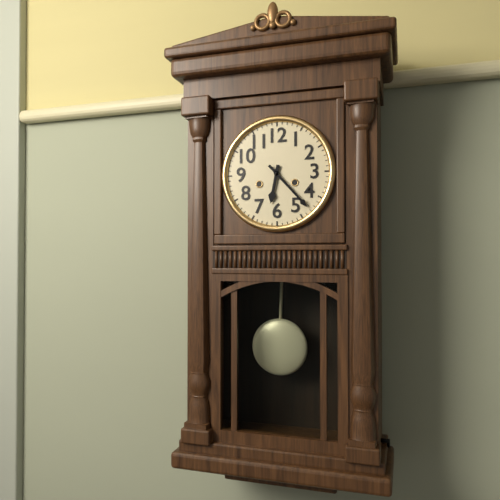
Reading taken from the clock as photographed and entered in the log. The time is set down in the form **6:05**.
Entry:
**6:23**
